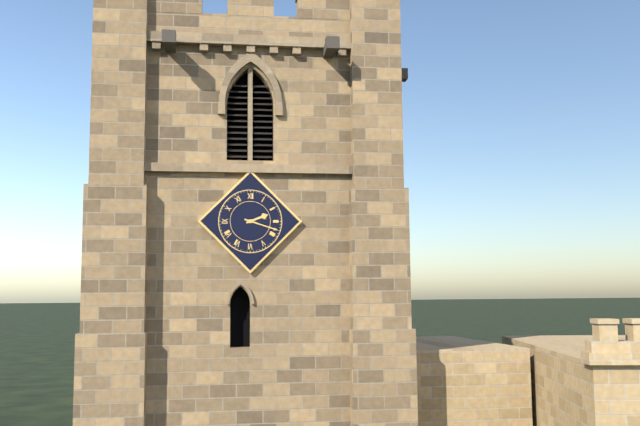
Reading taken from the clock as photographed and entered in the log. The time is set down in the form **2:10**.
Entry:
**2:18**
